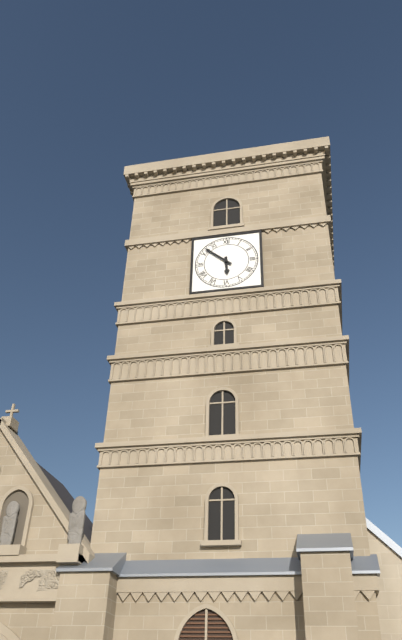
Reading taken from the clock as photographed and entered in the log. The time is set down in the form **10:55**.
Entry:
**5:52**
